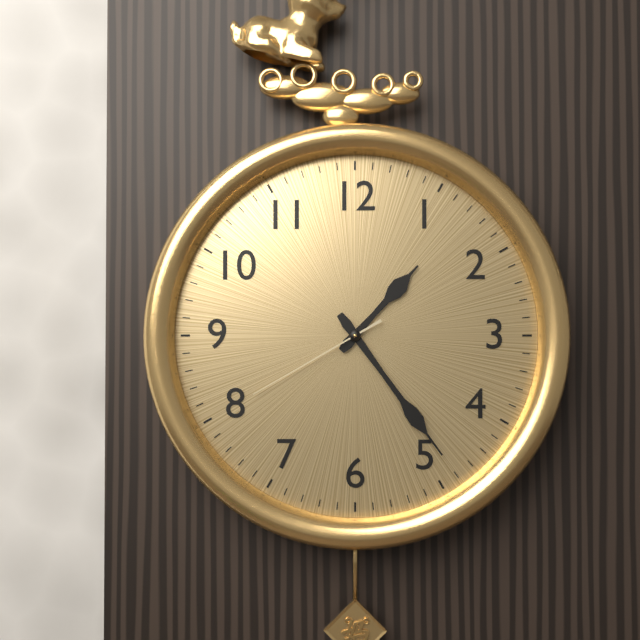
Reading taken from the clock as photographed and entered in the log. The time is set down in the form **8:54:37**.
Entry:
**1:24:40**
